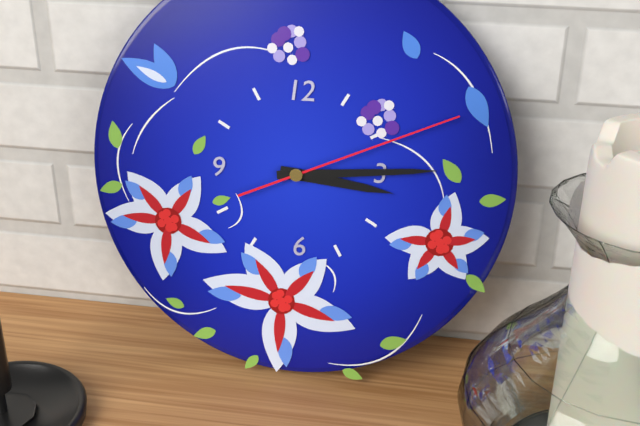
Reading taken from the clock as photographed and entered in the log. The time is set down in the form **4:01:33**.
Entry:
**3:14:11**
